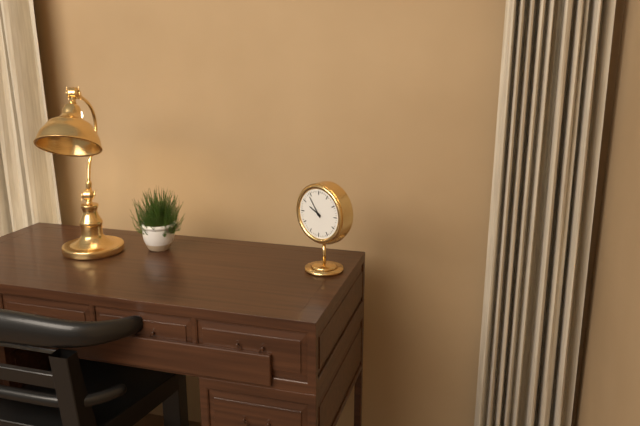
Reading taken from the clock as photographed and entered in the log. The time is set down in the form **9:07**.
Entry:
**9:54**
